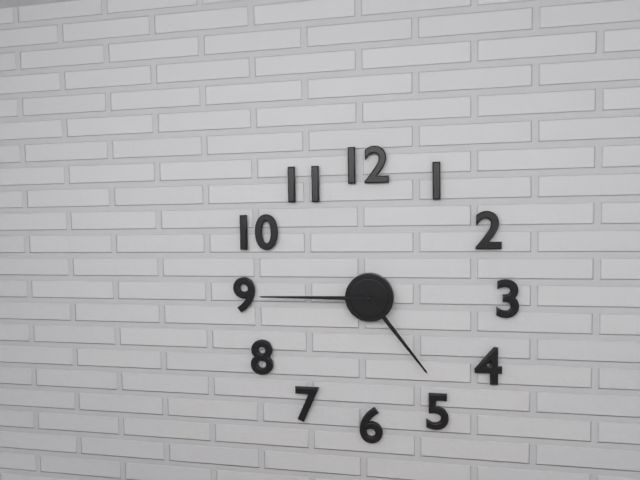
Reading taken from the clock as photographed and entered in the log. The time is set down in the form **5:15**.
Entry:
**4:45**
